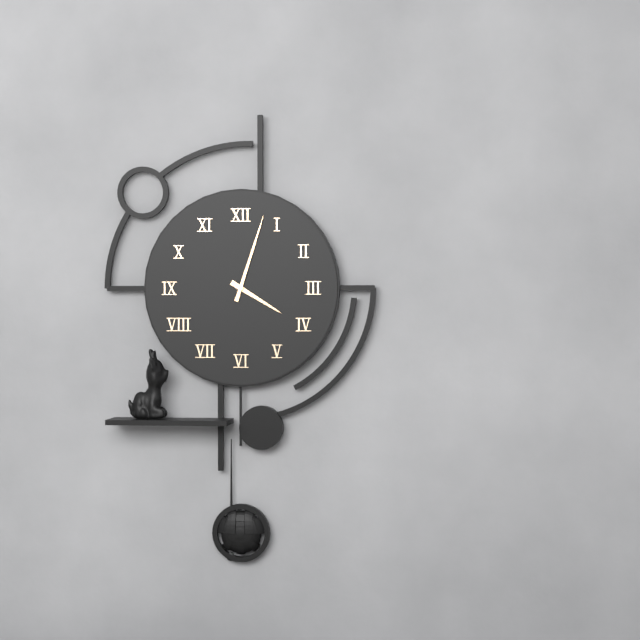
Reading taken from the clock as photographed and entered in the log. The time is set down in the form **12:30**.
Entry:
**4:03**
